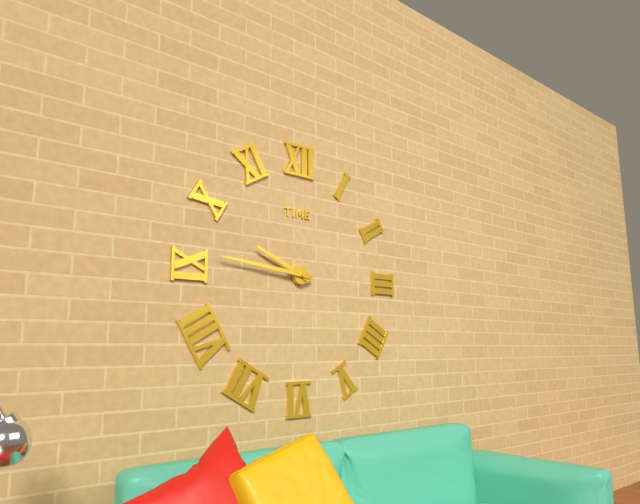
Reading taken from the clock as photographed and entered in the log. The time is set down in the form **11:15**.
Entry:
**9:46**
